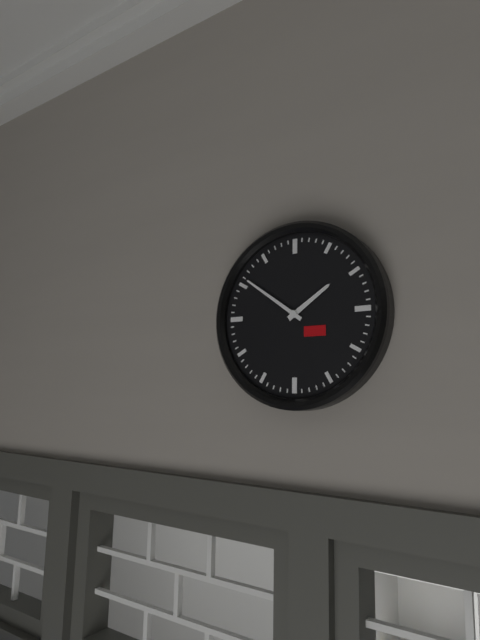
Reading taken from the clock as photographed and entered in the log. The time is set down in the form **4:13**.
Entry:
**1:51**
